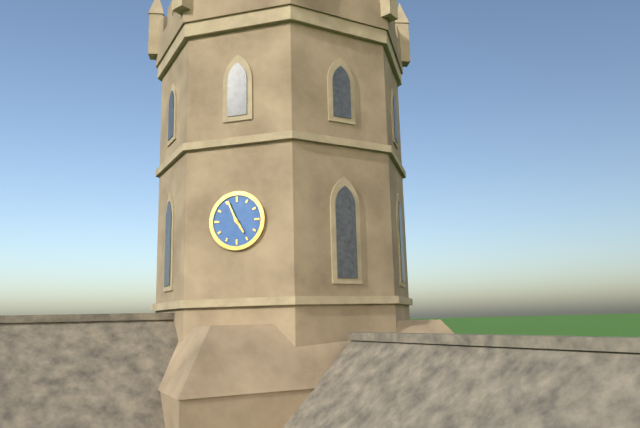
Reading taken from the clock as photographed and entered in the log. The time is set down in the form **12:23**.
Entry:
**4:56**
